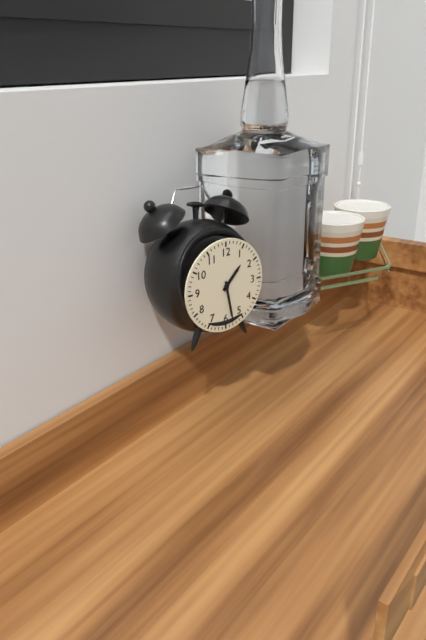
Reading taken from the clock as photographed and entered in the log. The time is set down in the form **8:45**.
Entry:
**1:28**
